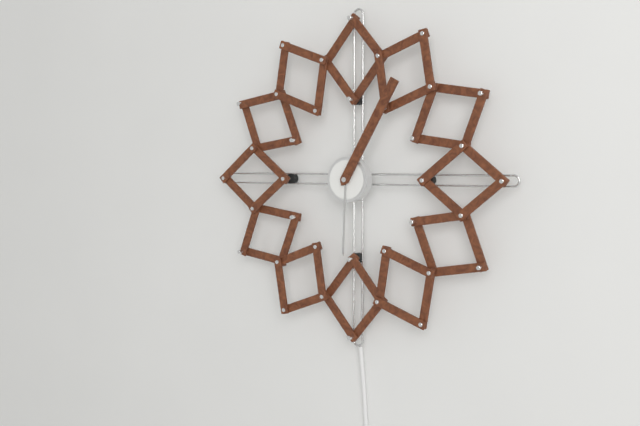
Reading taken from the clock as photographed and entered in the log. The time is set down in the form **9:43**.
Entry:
**6:05**
